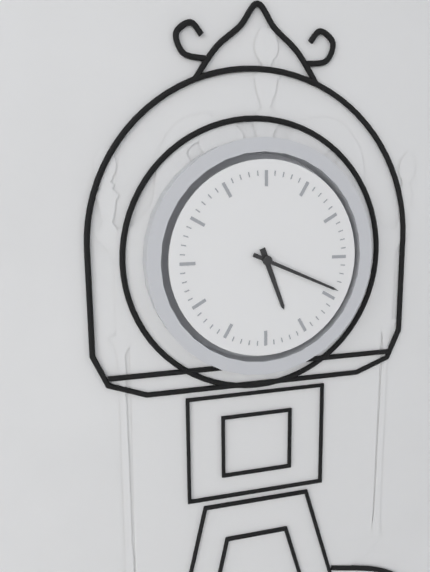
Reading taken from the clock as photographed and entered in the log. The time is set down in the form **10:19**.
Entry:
**5:19**
